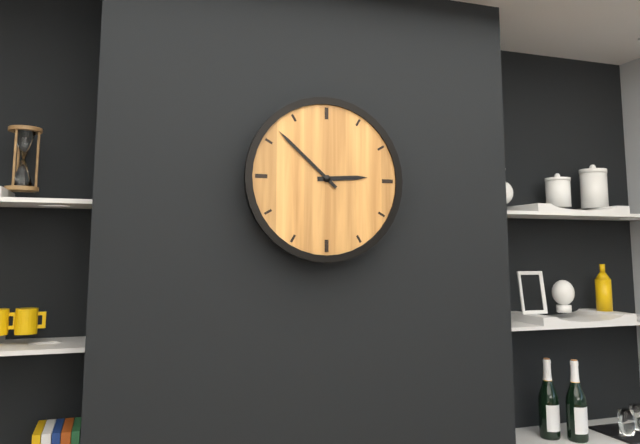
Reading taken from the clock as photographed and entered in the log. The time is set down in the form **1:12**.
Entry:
**2:52**
